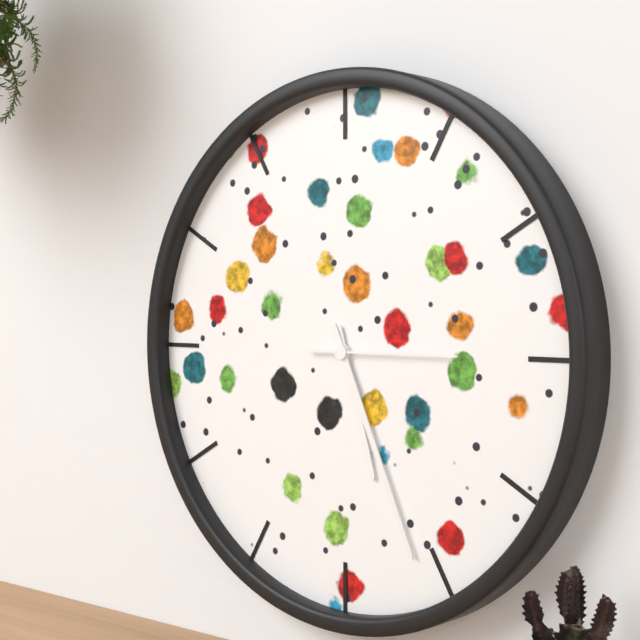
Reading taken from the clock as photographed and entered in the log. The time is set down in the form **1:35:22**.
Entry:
**5:26:15**
